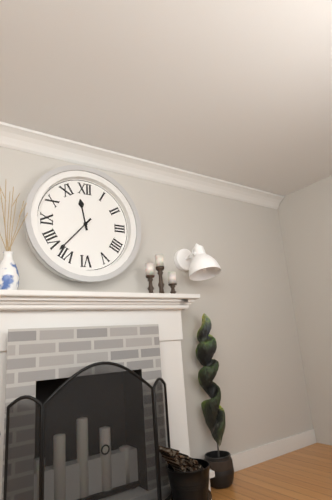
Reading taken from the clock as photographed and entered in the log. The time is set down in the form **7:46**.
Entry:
**11:37**
